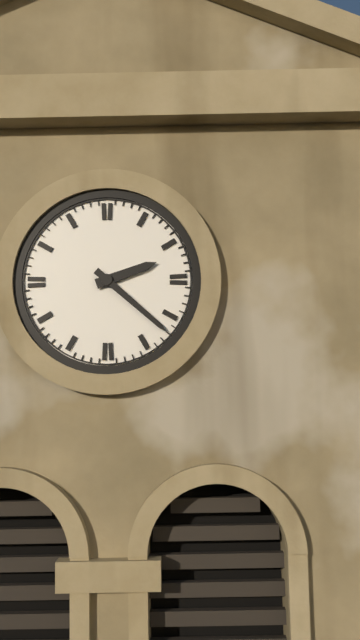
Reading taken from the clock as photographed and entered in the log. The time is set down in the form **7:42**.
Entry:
**2:22**
